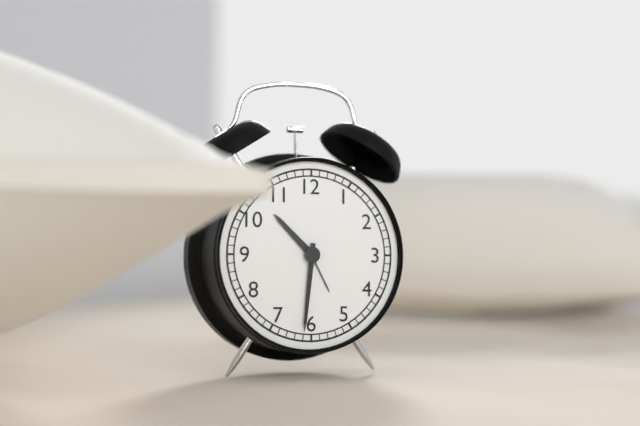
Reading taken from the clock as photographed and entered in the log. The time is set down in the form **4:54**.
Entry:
**10:31**
